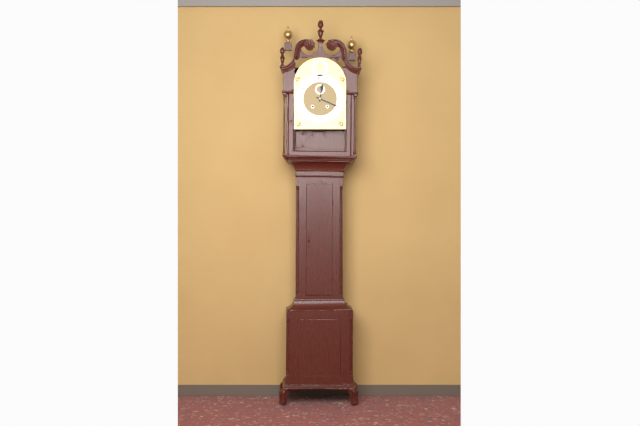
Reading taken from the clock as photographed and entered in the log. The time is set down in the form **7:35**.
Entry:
**12:19**
